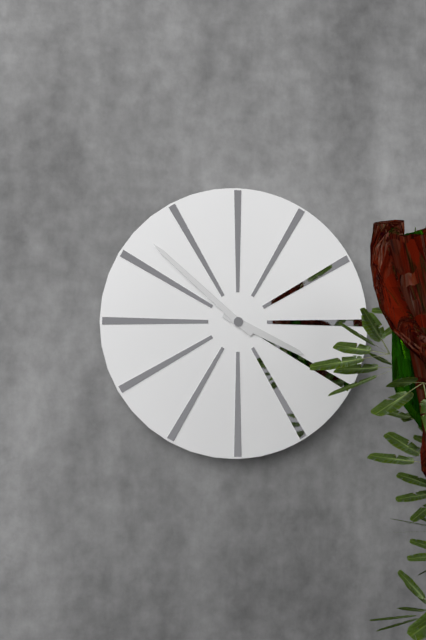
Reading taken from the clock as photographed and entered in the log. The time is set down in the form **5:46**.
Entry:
**3:52**
